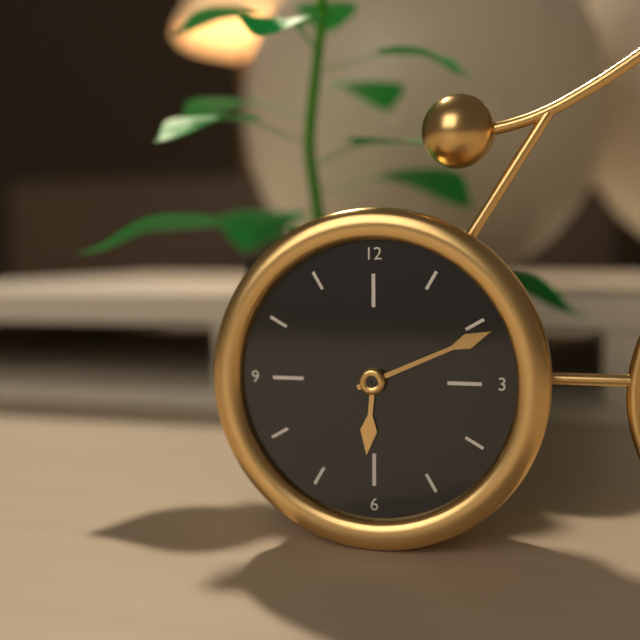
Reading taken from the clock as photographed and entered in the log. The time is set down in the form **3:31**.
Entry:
**6:11**
